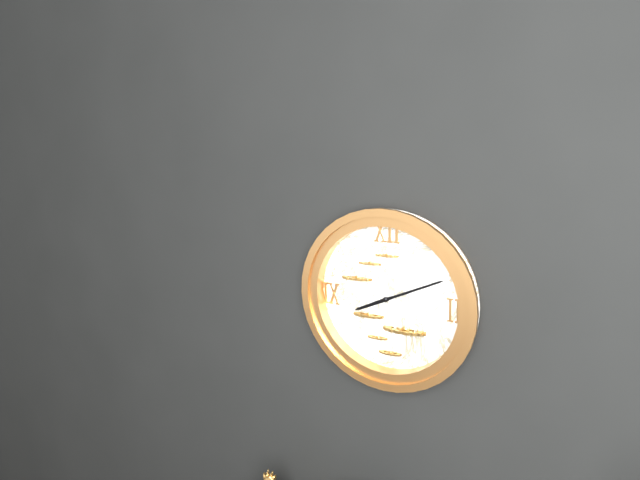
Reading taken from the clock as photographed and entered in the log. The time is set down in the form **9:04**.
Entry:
**8:11**
